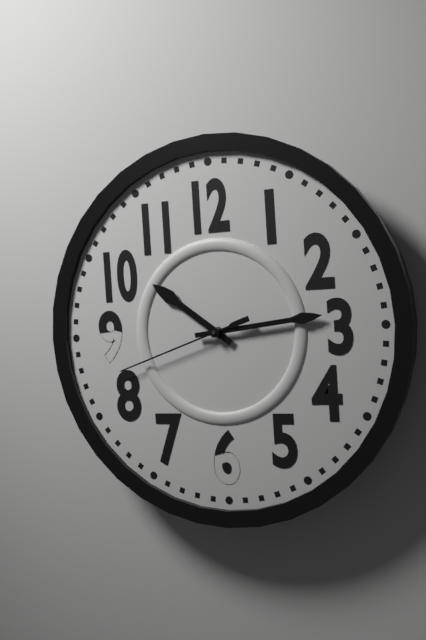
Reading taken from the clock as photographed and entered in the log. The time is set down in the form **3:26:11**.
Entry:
**10:14:42**
